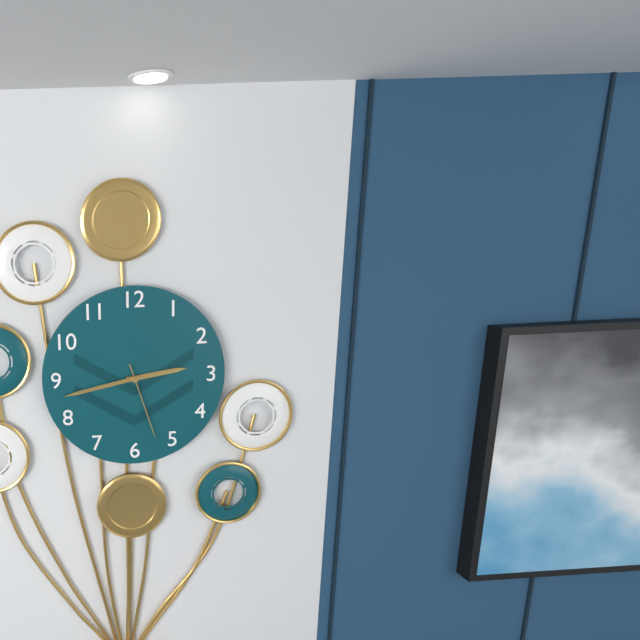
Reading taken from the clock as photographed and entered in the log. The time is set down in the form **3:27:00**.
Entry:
**2:43:27**
